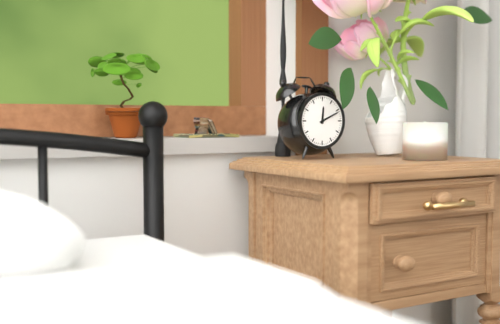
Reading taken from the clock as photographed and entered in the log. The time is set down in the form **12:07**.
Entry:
**12:11**
